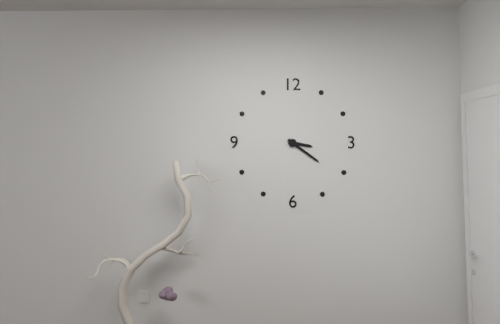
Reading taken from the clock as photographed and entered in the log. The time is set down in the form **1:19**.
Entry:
**3:21**
